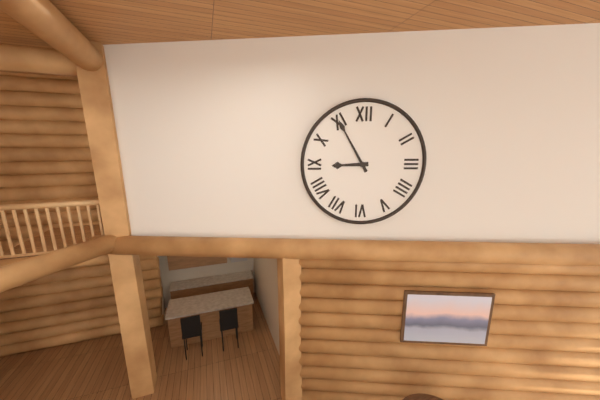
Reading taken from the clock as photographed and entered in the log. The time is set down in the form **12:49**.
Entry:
**8:55**
